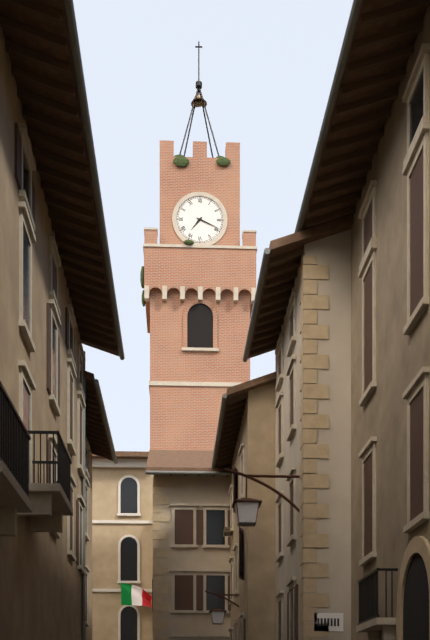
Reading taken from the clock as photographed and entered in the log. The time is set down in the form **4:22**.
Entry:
**7:19**
